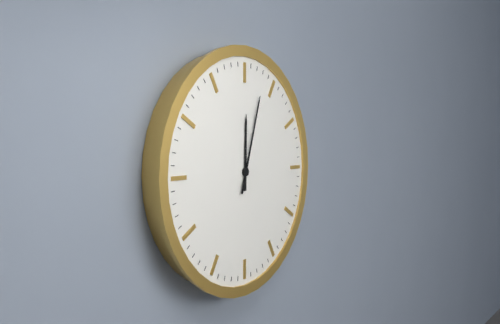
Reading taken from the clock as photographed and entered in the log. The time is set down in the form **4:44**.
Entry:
**12:03**
